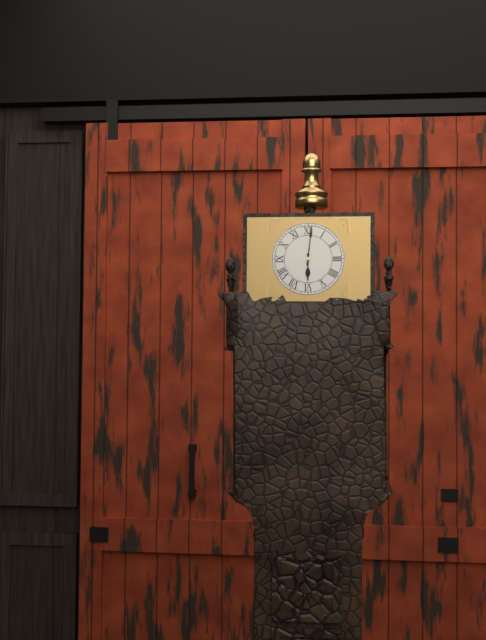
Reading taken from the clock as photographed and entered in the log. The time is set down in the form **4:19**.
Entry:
**6:01**
